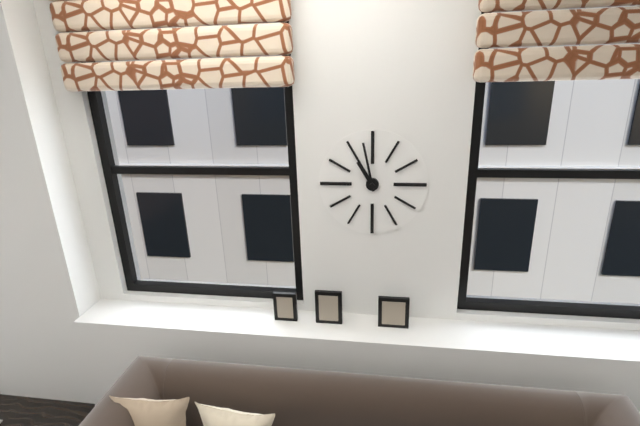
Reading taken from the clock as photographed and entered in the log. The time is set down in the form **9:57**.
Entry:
**10:58**
